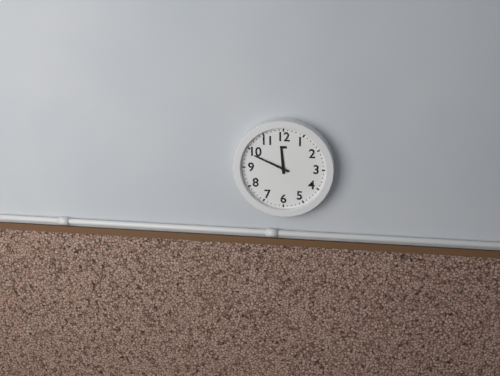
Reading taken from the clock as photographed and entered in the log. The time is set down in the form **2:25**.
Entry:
**11:49**
